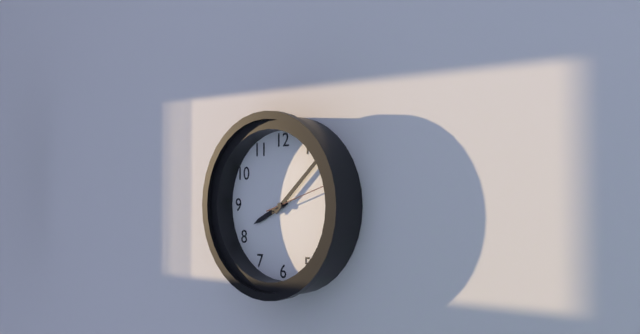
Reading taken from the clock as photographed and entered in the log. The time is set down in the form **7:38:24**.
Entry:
**8:08:12**
